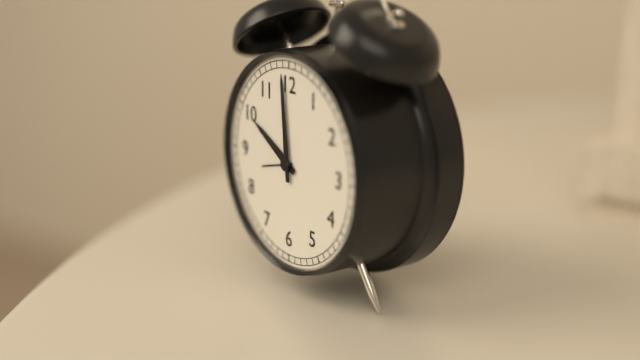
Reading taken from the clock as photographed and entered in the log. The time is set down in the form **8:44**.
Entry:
**9:59**
